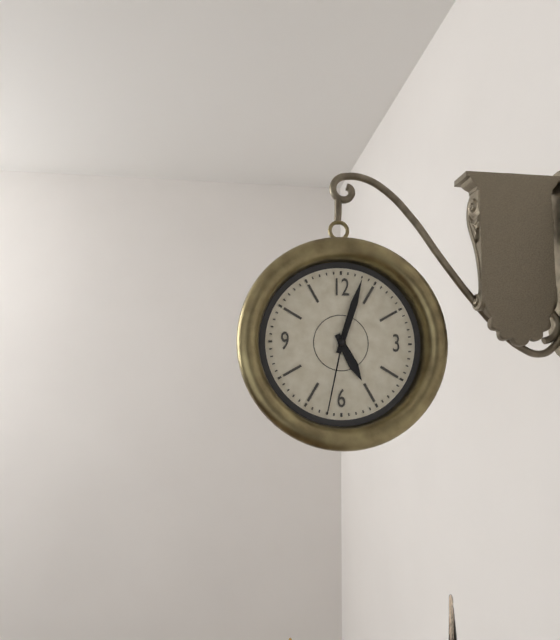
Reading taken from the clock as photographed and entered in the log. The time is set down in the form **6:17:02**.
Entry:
**5:03:32**
